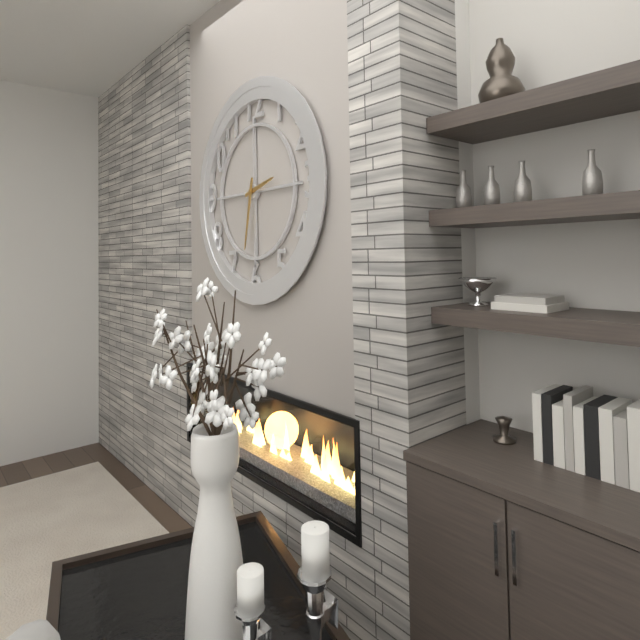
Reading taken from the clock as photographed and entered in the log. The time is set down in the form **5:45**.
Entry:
**2:32**
